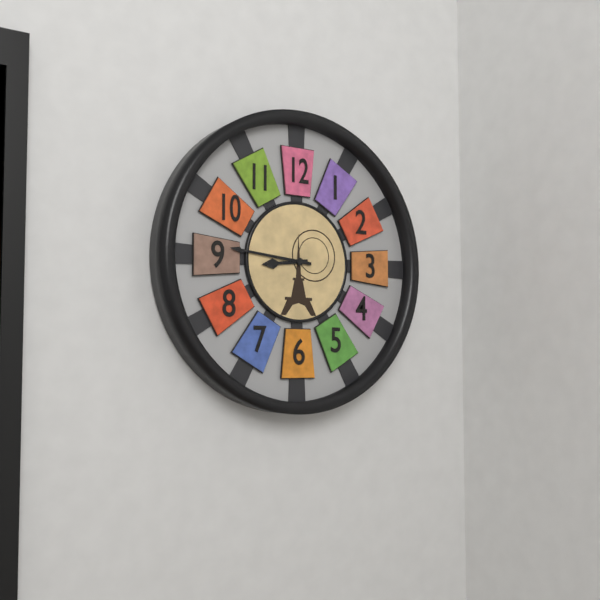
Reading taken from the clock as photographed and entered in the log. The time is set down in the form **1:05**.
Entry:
**8:46**
